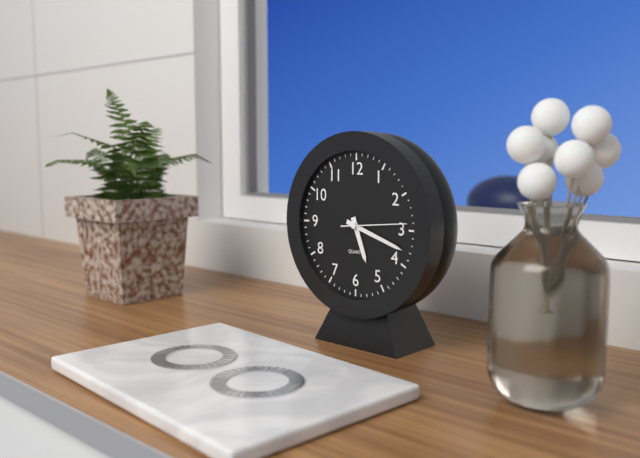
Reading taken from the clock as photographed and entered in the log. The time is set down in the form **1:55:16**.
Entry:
**5:18:14**
